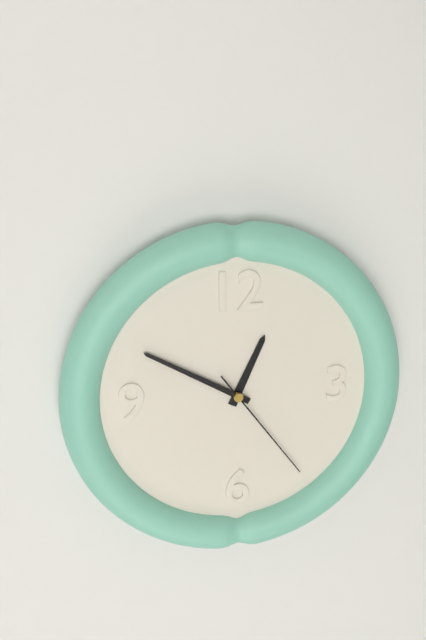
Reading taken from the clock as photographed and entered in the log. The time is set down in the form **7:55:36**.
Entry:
**12:50:24**
